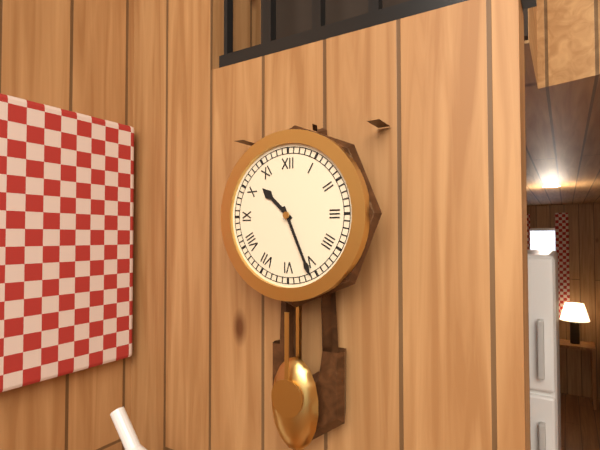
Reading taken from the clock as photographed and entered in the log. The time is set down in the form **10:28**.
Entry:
**10:26**
